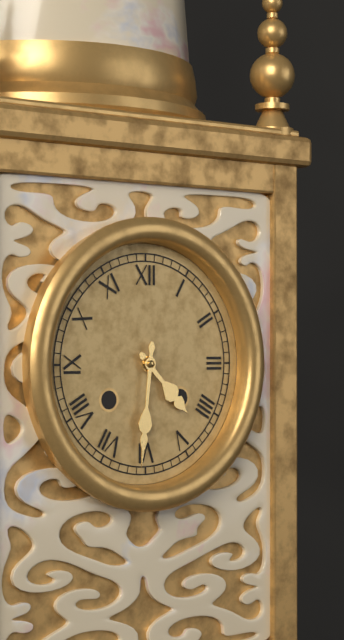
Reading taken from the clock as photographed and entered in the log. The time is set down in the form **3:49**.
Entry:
**4:31**
